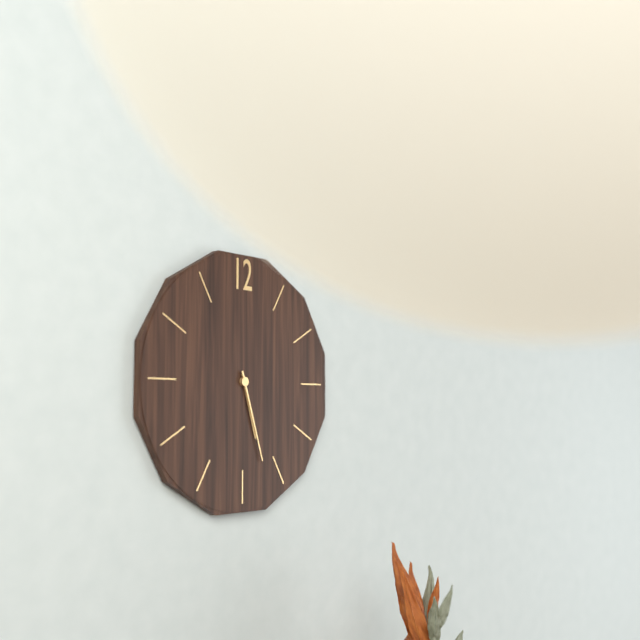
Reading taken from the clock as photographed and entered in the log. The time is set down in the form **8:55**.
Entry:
**5:27**
